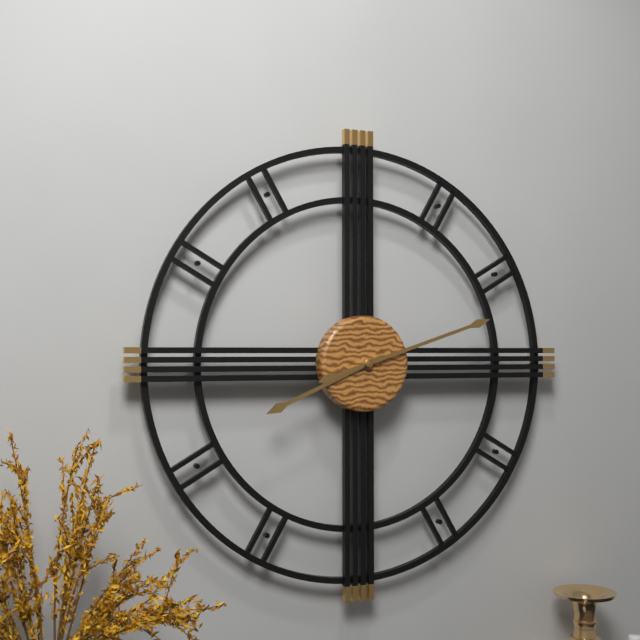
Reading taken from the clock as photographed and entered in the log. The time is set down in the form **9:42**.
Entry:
**8:12**
